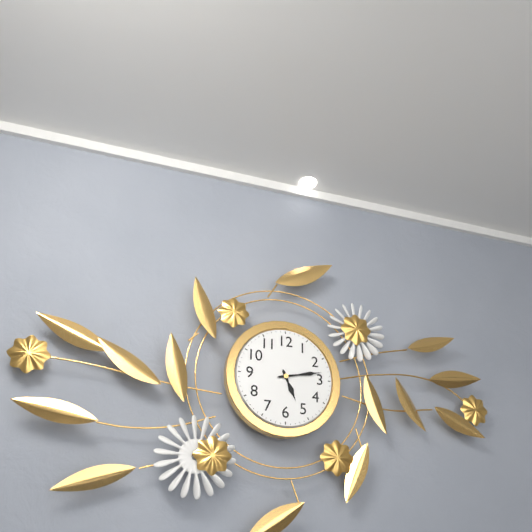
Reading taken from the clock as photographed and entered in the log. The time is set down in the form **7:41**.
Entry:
**5:13**
